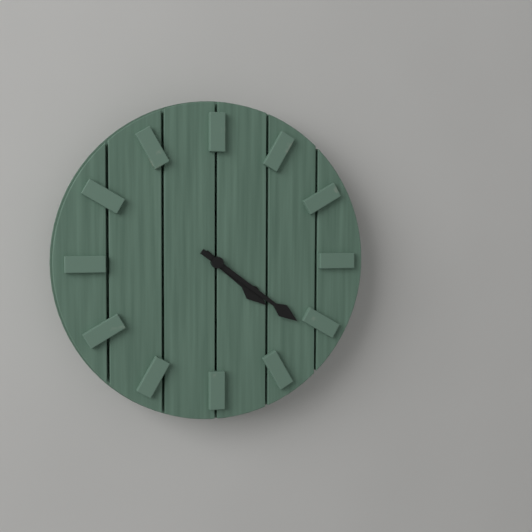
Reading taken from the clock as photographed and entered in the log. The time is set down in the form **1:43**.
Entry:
**4:21**
